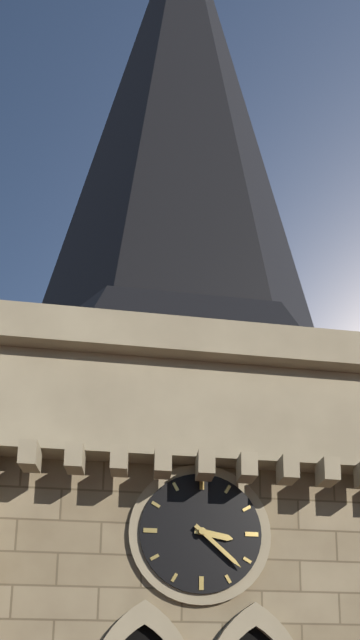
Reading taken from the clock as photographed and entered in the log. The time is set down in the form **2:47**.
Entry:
**3:22**
